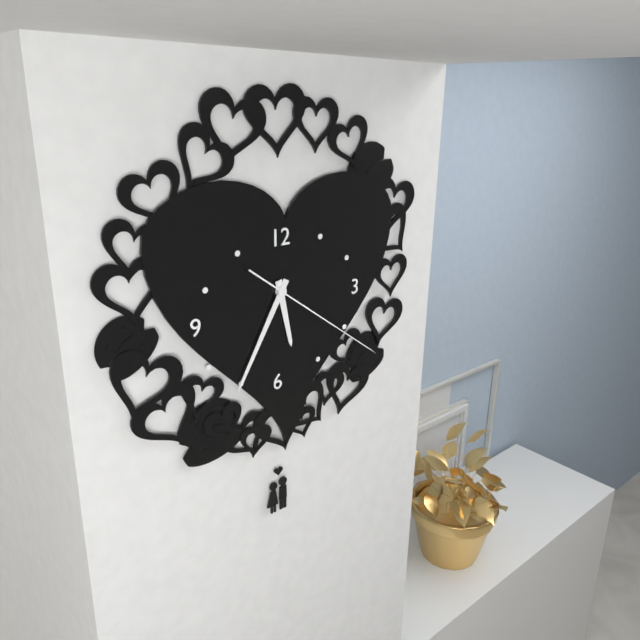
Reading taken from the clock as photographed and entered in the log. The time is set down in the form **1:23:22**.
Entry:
**5:35:21**
